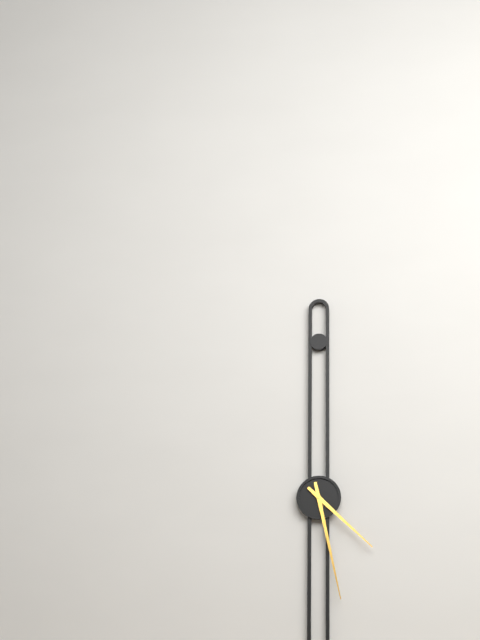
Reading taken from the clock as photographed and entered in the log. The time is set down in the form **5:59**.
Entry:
**4:28**
